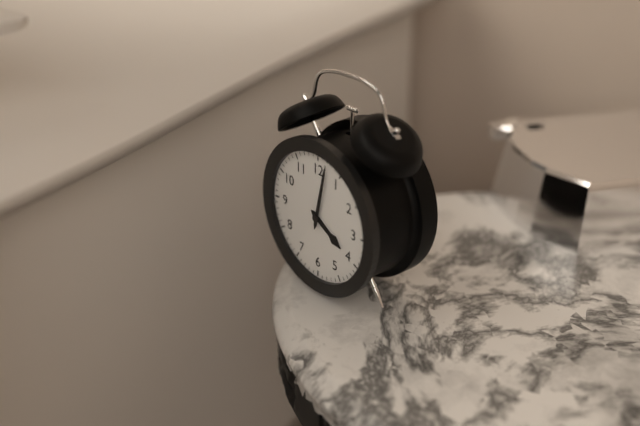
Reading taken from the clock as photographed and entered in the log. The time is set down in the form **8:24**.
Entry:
**4:02**
